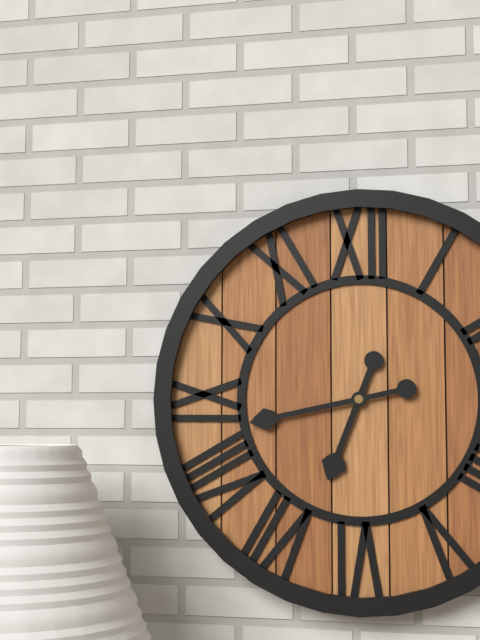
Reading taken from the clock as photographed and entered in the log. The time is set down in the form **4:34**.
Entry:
**6:43**
